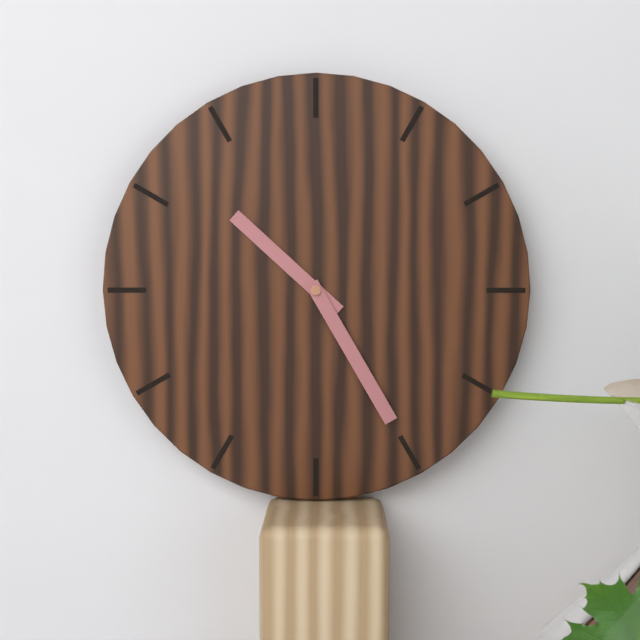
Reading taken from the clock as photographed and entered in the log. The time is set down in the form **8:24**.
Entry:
**10:25**
